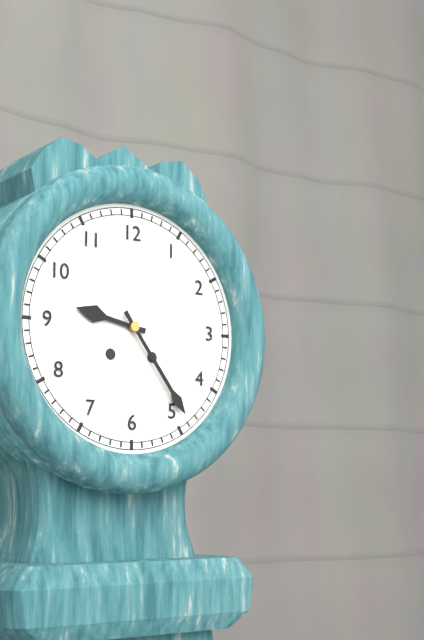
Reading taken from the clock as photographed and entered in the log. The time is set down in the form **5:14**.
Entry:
**9:24**
